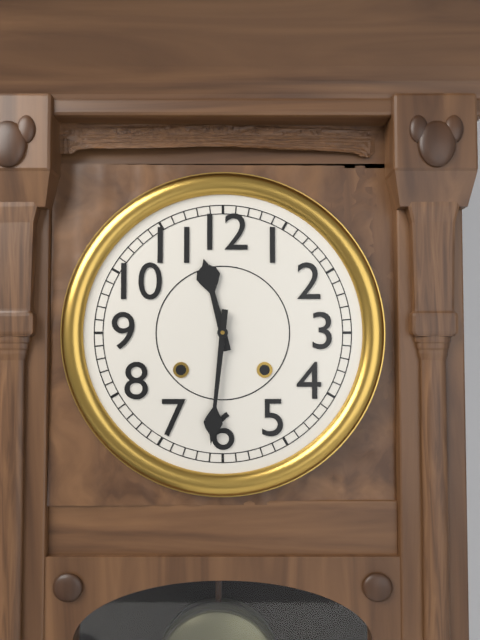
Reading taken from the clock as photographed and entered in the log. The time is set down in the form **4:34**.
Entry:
**11:31**
